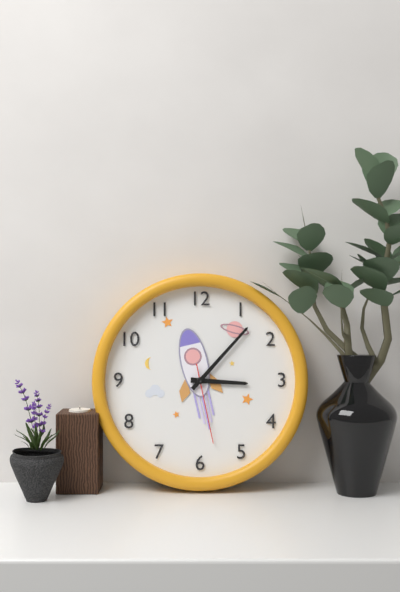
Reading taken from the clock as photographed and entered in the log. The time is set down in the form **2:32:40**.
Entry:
**3:07:28**
